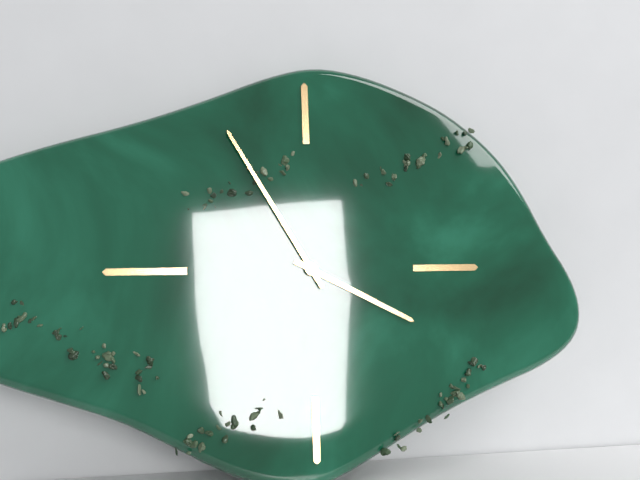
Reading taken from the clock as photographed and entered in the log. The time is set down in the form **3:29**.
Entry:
**3:55**
